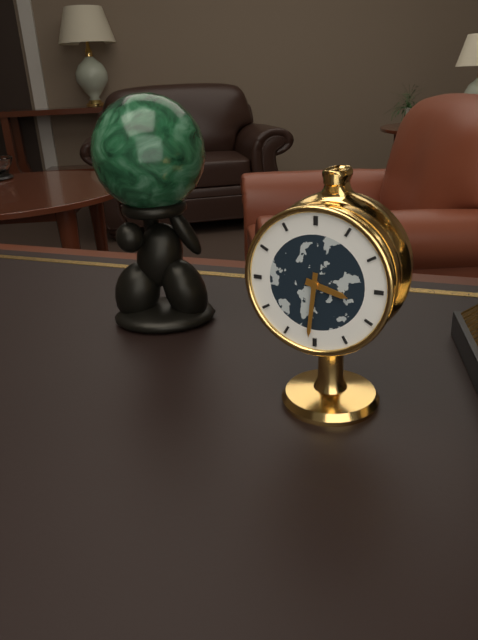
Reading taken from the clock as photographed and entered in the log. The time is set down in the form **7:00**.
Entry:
**3:31**
